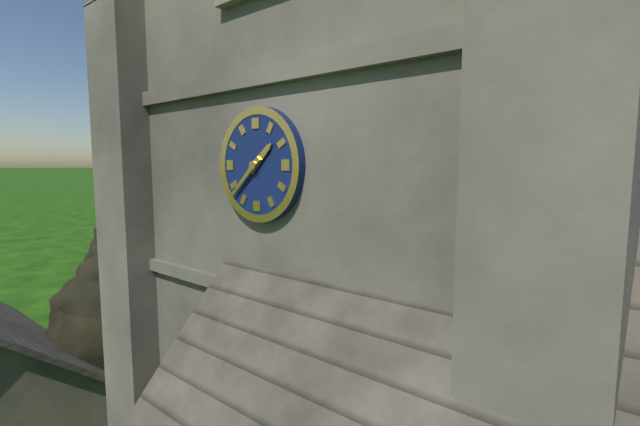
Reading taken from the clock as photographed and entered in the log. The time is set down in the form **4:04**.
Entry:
**1:38**
